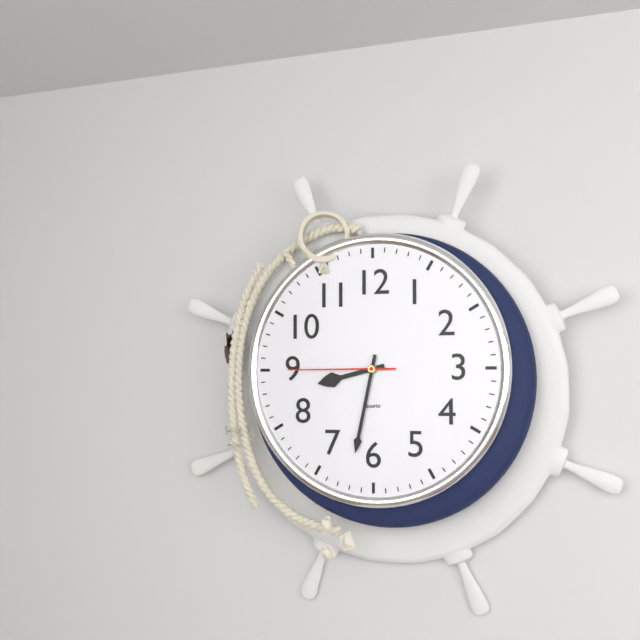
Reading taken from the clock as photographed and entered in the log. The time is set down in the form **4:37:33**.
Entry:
**8:32:45**
